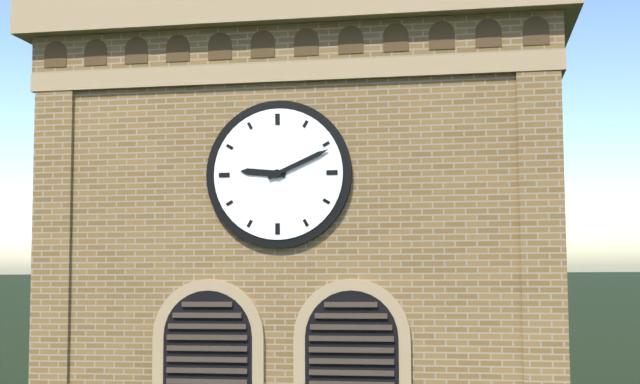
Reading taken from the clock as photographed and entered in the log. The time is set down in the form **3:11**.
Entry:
**9:11**
